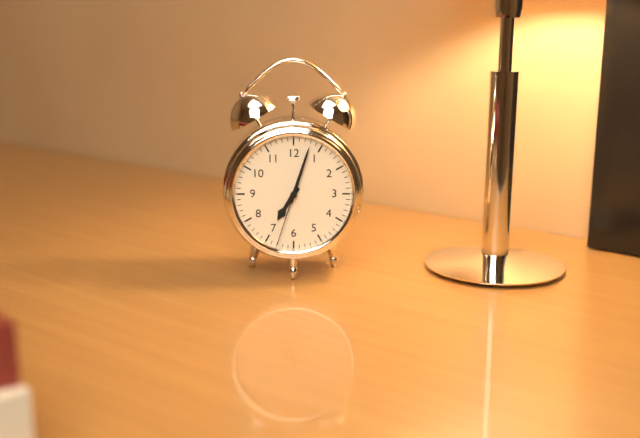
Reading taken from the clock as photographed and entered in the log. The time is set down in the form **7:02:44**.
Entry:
**7:03:33**
